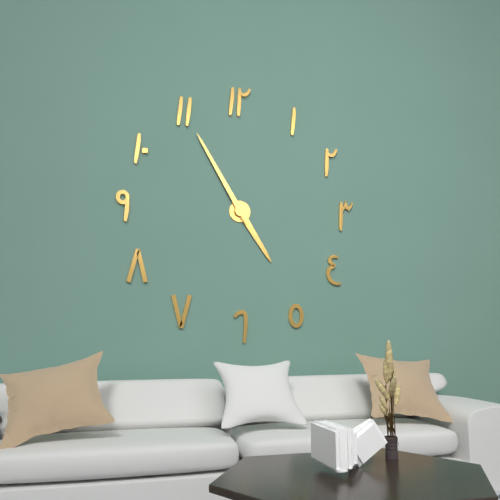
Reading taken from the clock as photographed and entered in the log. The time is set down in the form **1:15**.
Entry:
**4:55**
